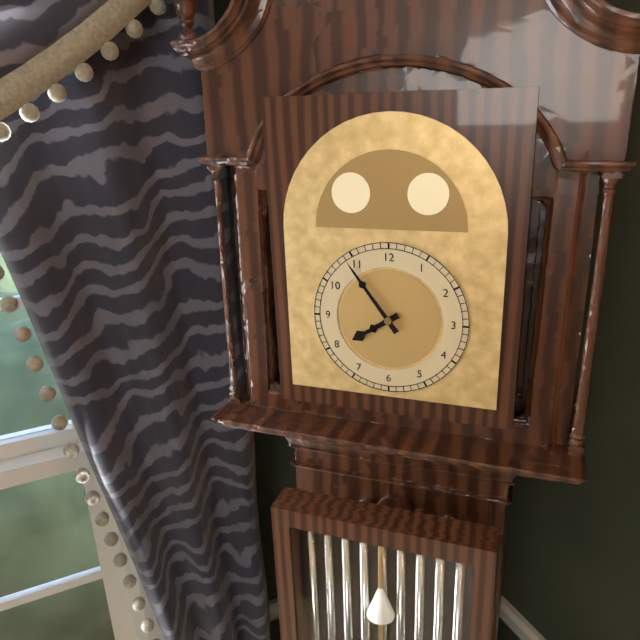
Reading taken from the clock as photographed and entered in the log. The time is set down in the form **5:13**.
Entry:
**7:54**
